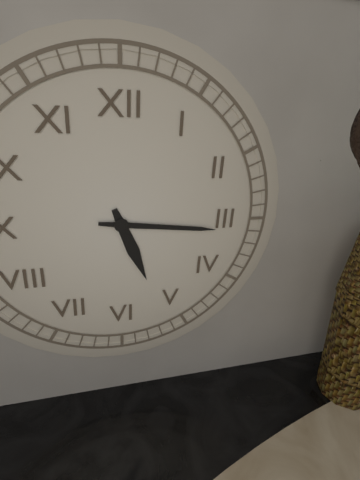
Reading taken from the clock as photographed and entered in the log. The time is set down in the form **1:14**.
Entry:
**5:16**
